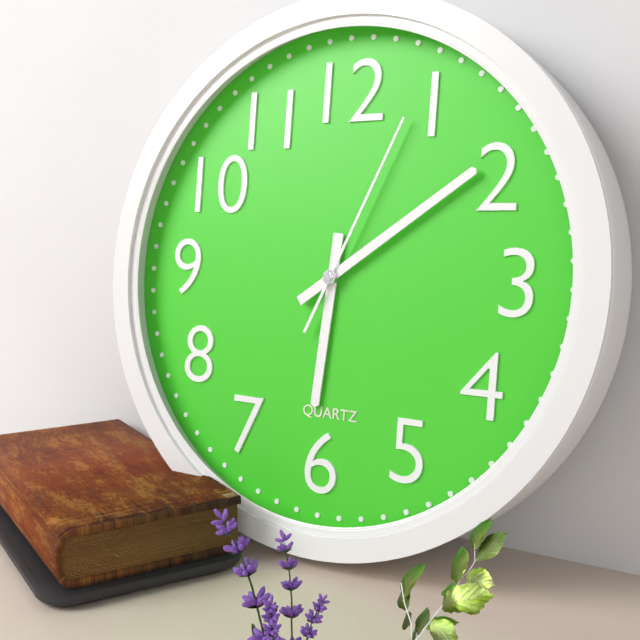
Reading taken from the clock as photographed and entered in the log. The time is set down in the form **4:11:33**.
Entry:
**6:09:04**
